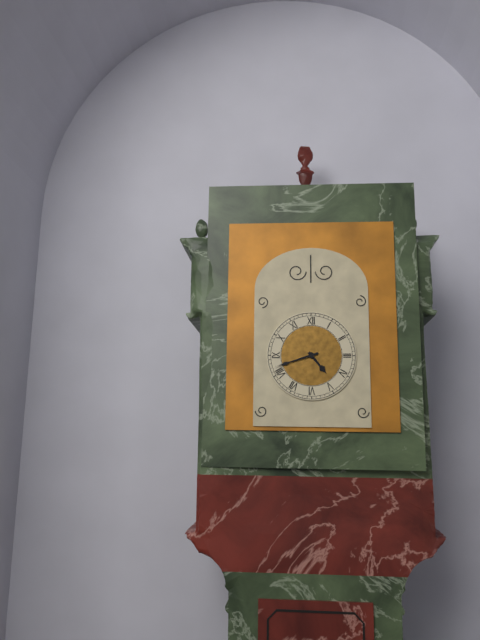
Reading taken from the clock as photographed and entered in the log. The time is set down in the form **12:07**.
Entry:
**4:42**
